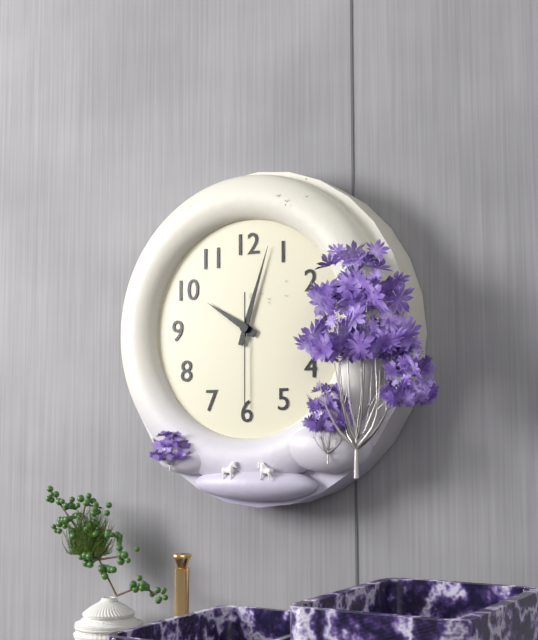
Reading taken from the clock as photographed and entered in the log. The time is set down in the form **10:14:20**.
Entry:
**10:03:30**
